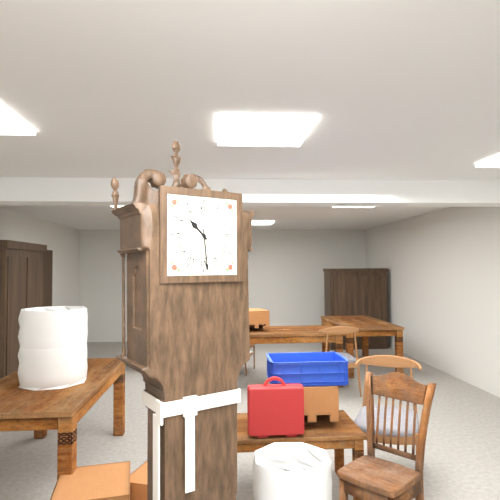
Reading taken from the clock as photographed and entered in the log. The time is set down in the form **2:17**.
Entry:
**10:29**
